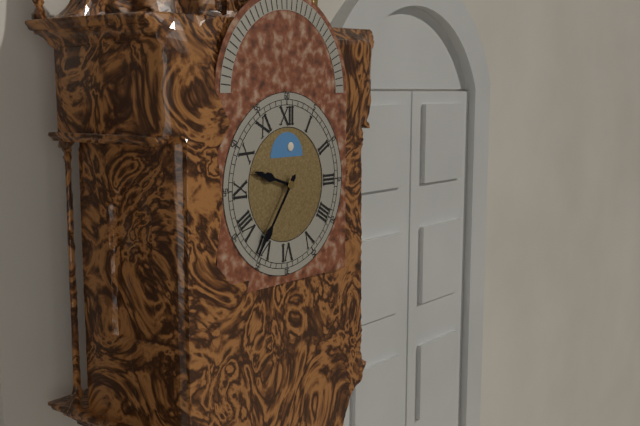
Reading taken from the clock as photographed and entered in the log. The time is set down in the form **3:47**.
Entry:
**9:36**
